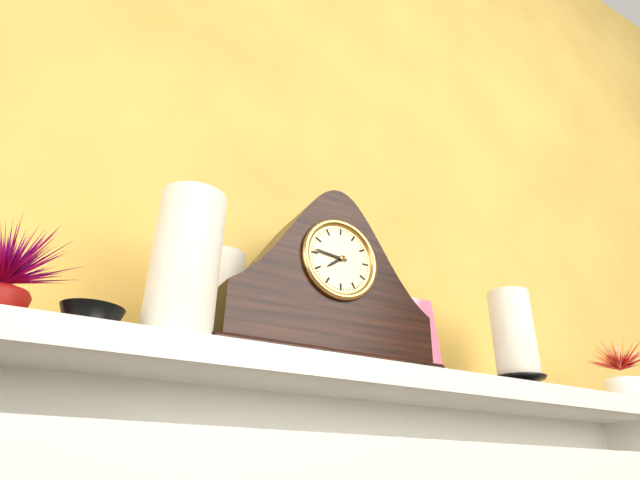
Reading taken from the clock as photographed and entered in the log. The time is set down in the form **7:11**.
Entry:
**7:46**
